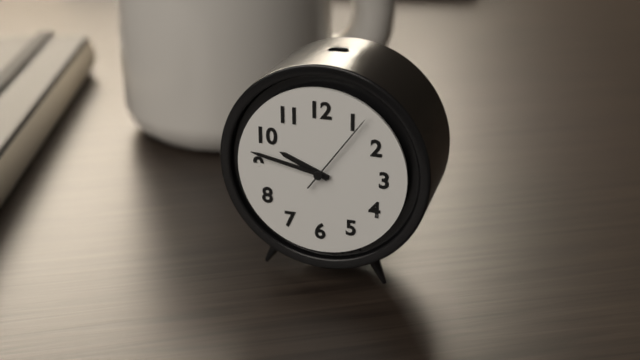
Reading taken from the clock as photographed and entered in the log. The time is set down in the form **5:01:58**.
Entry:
**9:47:06**
